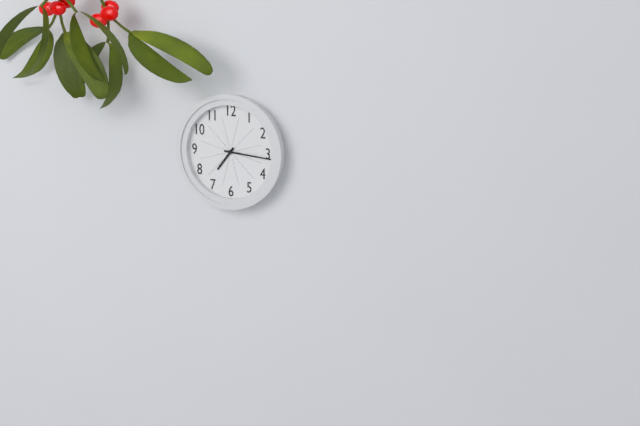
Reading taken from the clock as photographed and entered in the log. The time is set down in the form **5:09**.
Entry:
**7:16**
